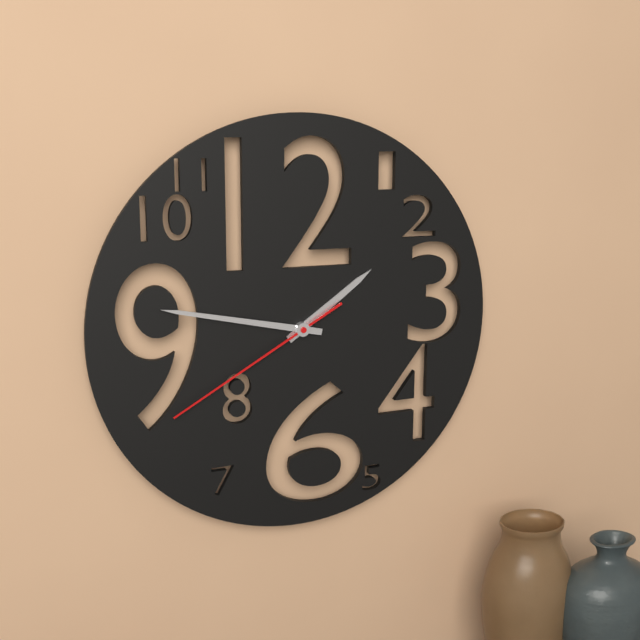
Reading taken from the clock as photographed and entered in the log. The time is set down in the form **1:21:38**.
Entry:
**1:47:40**
